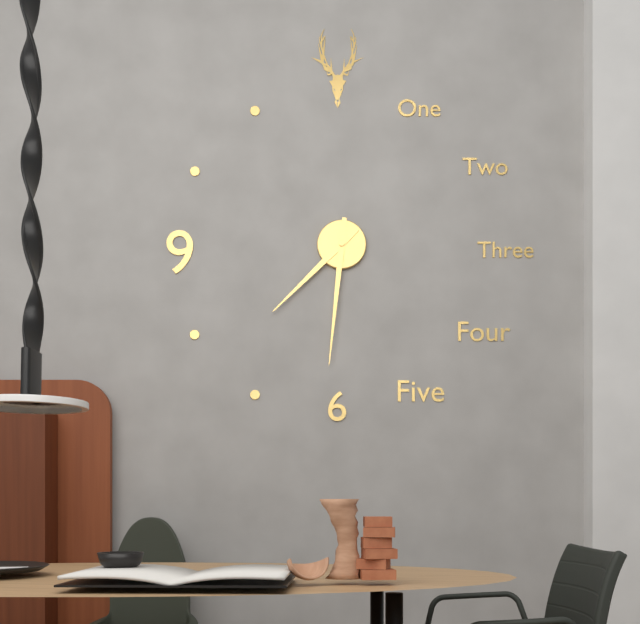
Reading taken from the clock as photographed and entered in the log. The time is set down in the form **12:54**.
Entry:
**7:31**
